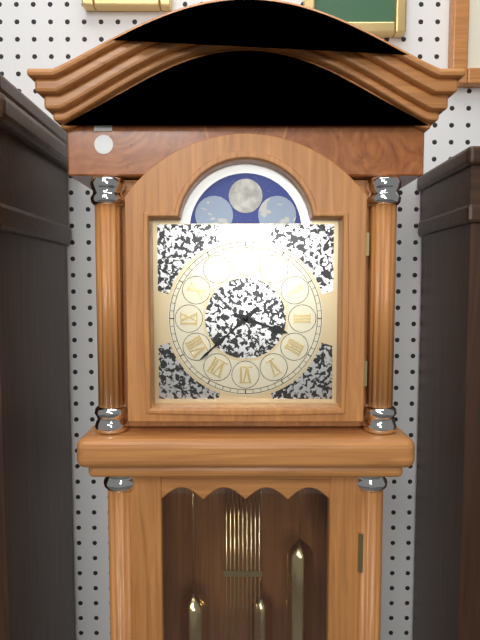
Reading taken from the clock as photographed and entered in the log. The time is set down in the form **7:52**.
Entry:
**3:38**
